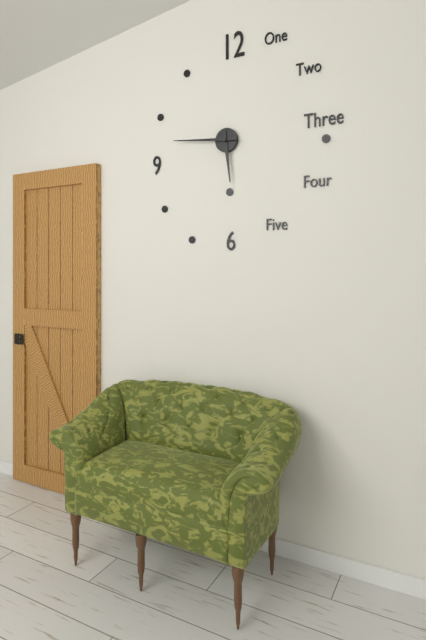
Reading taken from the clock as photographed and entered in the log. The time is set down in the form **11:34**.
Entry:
**5:46**
